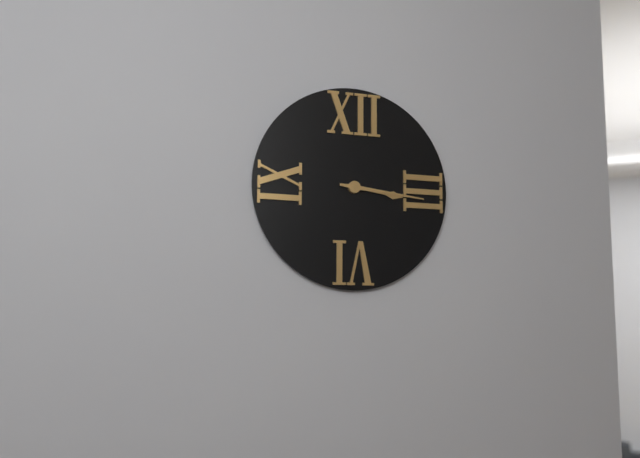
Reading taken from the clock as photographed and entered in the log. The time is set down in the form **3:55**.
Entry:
**3:16**
